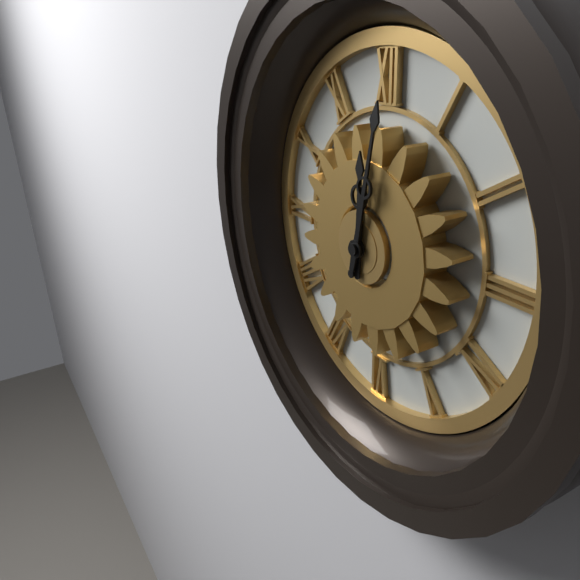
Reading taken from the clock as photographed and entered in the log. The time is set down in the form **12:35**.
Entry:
**12:02**
